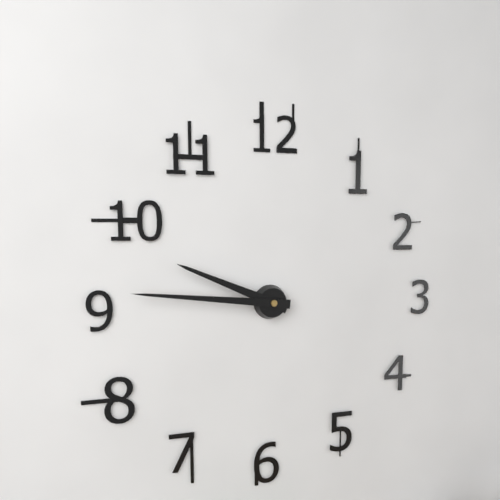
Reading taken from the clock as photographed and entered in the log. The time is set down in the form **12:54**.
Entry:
**9:46**
